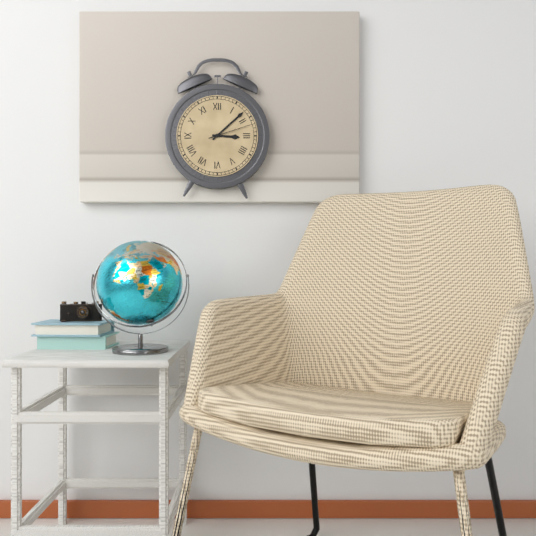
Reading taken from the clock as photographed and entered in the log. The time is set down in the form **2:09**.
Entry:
**3:08**
